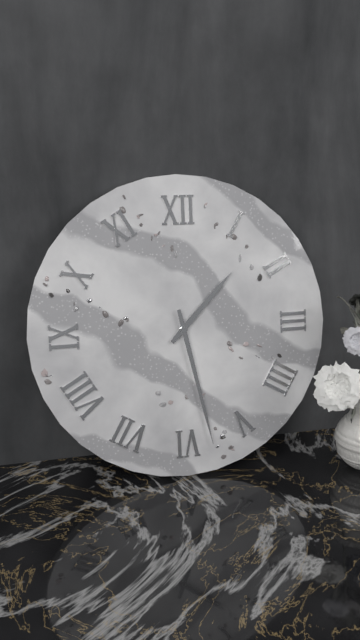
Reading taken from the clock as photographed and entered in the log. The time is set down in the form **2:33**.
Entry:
**1:28**
